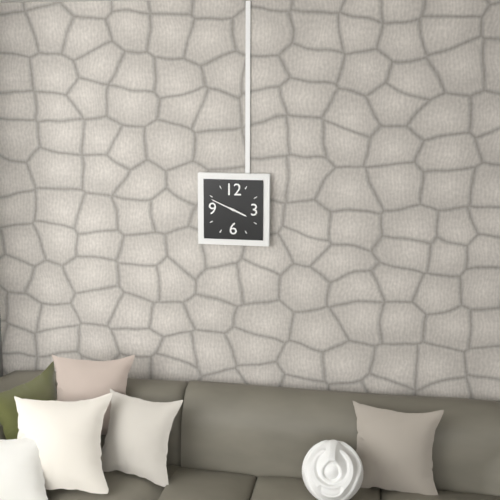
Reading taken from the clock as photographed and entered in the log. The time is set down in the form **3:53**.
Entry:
**3:49**
